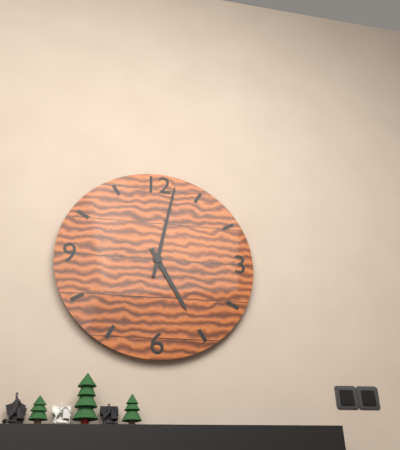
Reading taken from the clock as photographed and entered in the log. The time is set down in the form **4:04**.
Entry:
**5:02**
